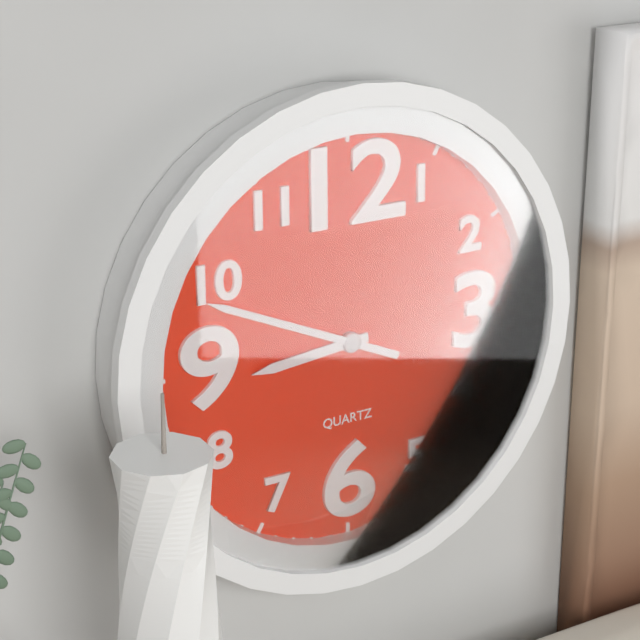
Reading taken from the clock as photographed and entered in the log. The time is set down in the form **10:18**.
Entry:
**8:49**
